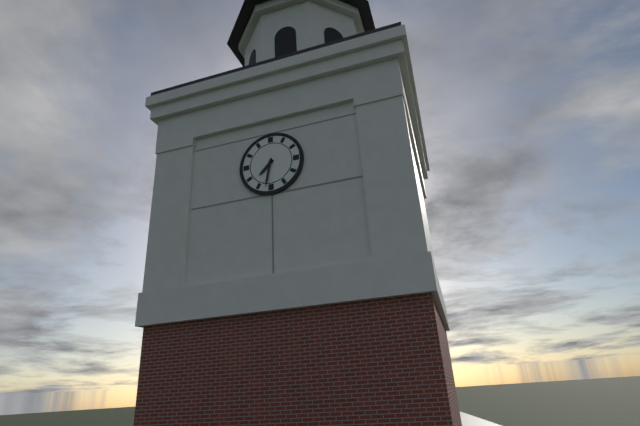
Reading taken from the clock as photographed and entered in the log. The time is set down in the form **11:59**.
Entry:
**7:32**
